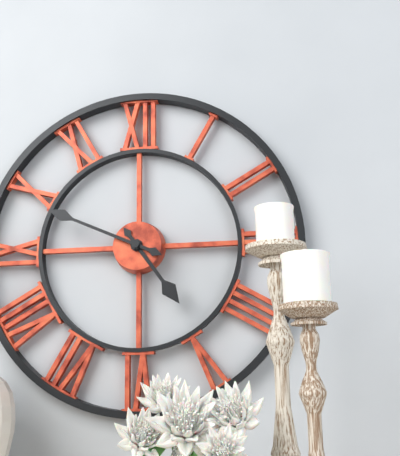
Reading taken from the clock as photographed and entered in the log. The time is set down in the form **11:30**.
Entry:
**4:49**
